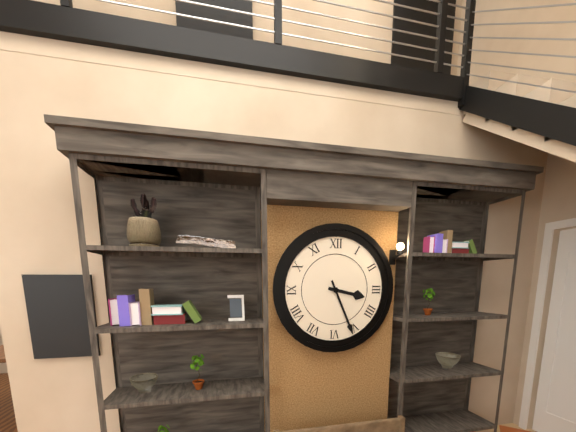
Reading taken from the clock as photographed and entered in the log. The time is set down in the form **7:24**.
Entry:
**3:26**
